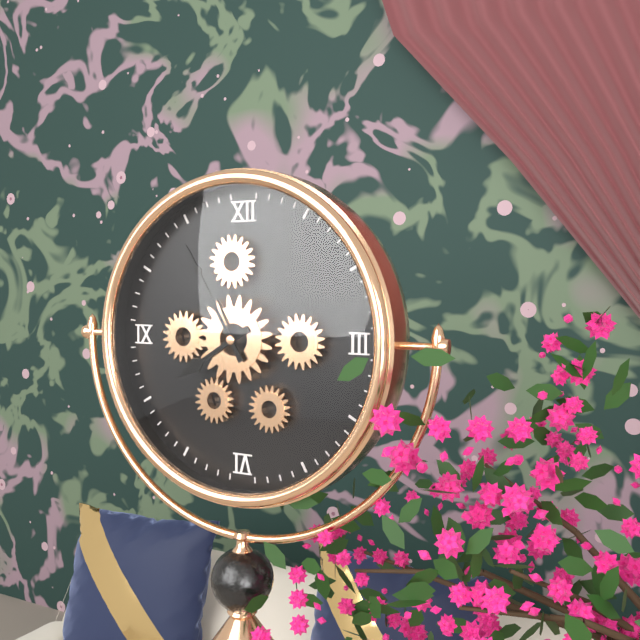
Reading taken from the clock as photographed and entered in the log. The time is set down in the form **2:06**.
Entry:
**7:55**
